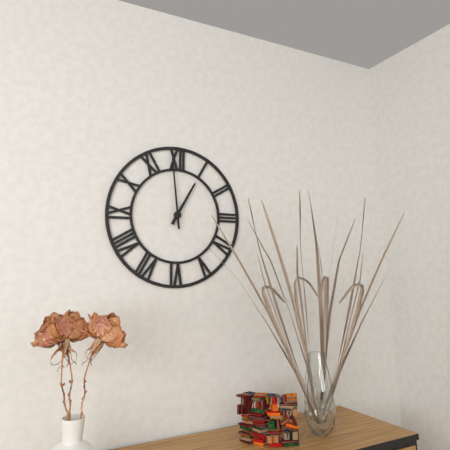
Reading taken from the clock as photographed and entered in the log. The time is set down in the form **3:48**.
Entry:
**12:59**
